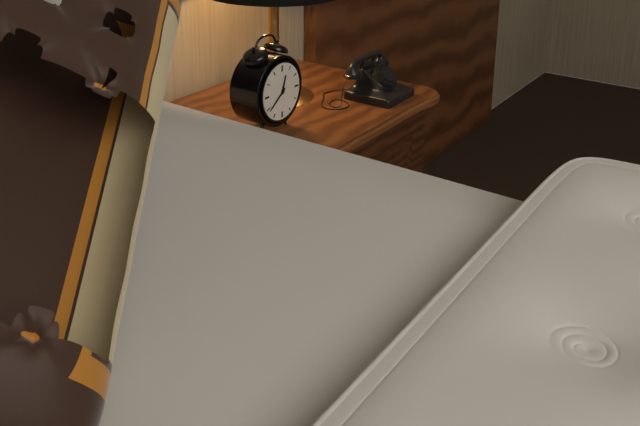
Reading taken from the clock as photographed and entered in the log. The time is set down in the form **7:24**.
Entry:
**12:39**
